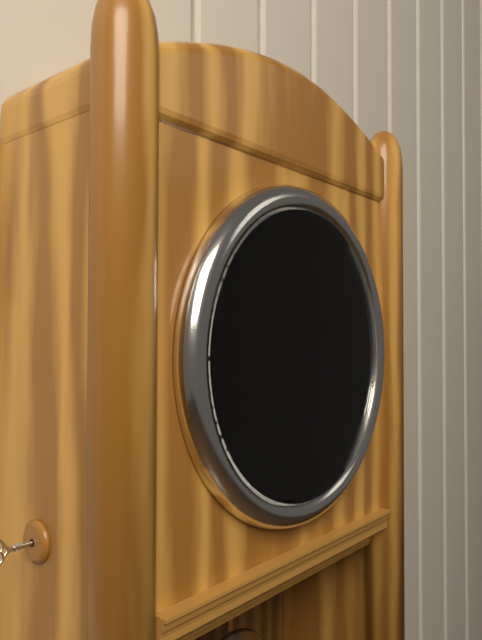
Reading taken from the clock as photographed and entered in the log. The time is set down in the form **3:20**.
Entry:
**5:01**
